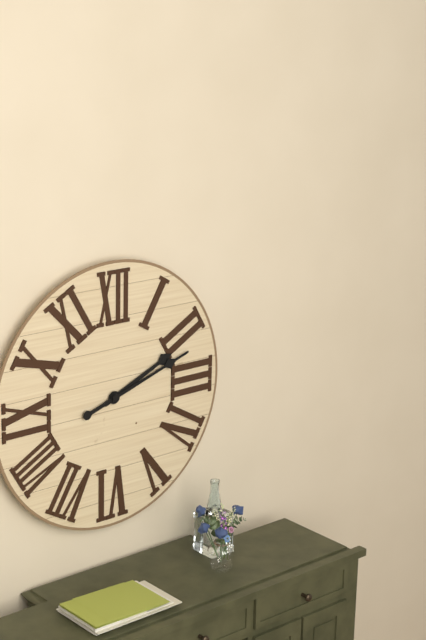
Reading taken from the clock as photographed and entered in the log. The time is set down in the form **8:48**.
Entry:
**2:12**
